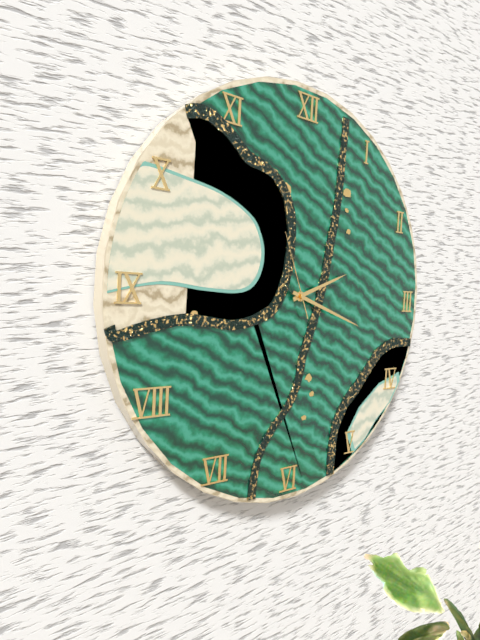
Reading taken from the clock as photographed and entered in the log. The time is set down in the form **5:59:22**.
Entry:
**2:18:56**
